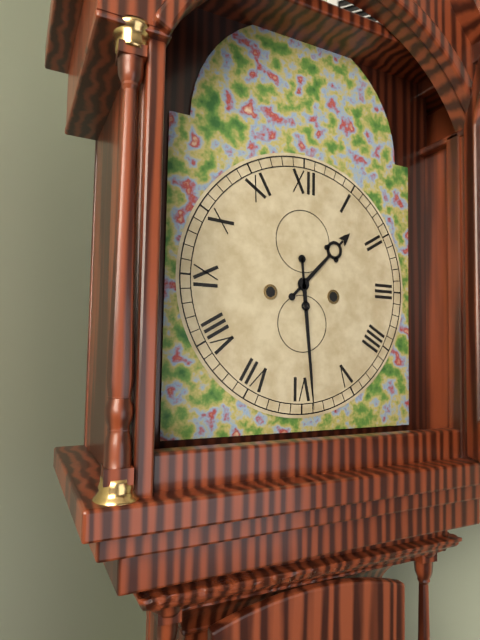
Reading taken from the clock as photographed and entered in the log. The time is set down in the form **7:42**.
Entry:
**1:29**
